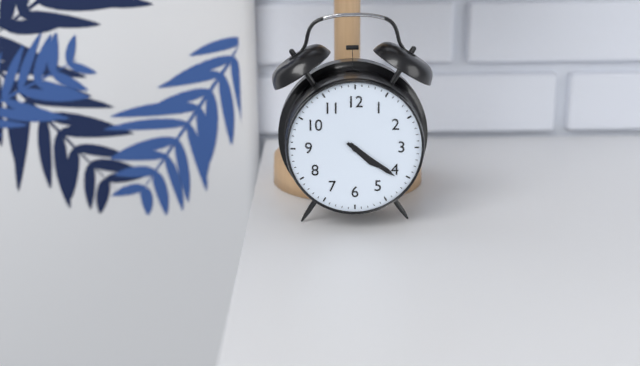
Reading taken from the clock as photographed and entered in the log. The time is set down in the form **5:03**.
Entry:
**4:21**
